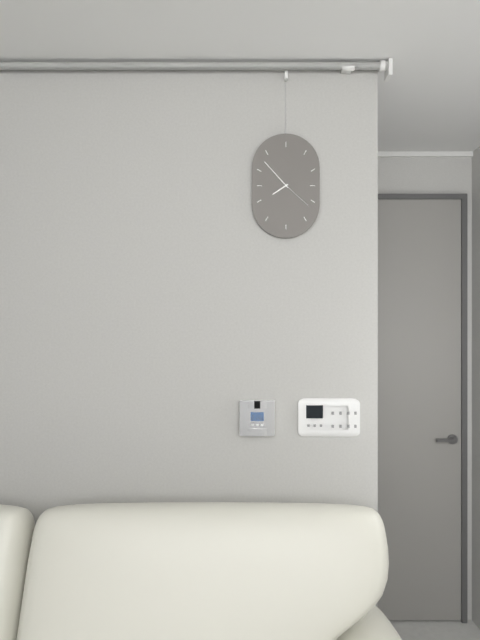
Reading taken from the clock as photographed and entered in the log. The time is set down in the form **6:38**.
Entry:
**7:53**
